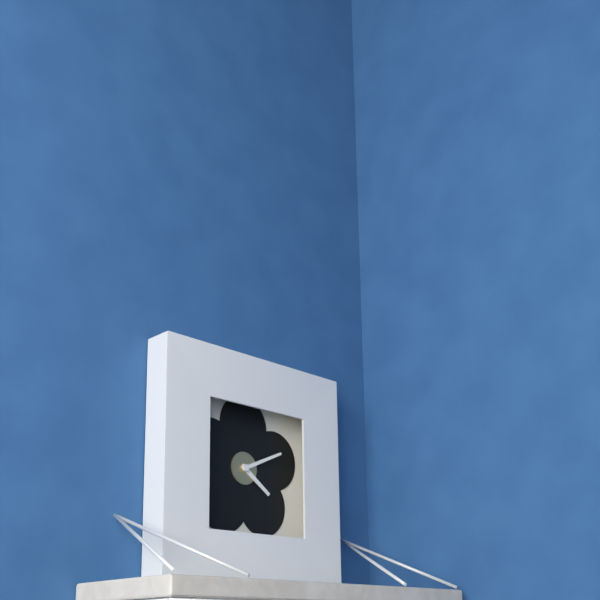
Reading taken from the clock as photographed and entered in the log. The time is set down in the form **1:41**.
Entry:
**4:11**
